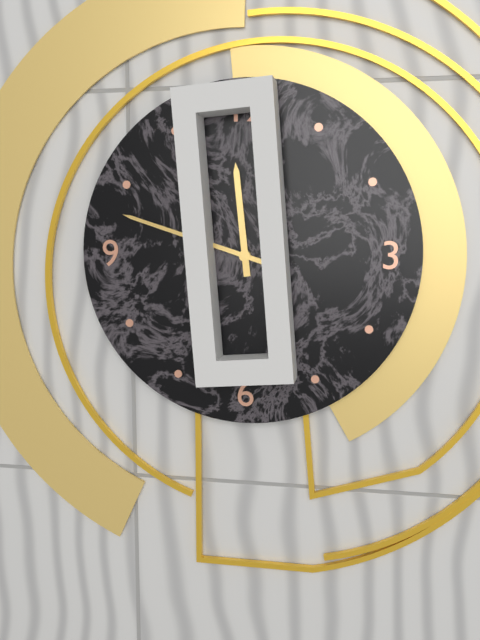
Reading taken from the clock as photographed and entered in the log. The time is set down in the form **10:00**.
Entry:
**11:48**
